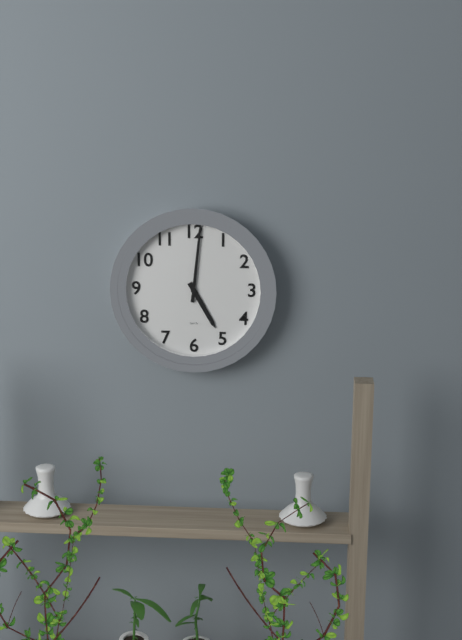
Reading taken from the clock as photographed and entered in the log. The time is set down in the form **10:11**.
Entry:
**5:01**
